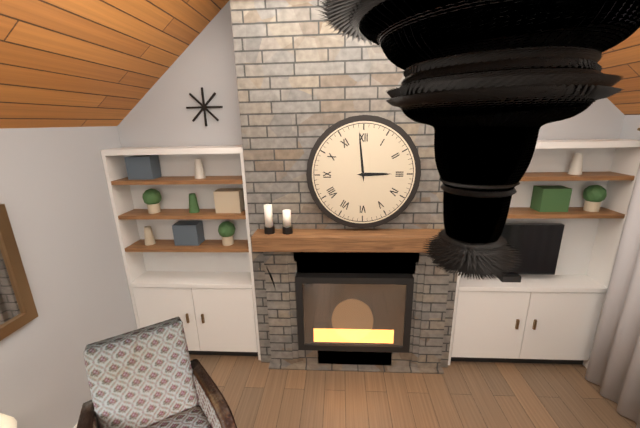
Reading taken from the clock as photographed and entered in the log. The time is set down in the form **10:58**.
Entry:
**2:59**
